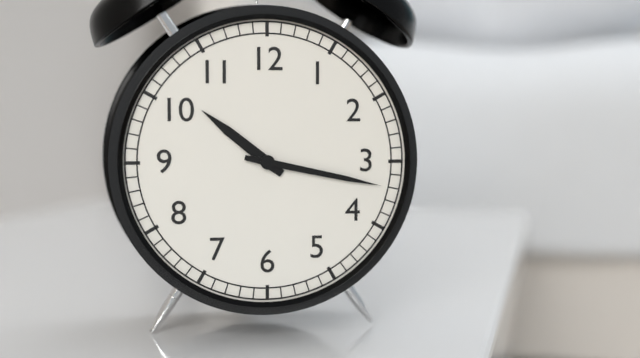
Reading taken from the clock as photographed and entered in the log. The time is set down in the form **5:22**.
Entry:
**10:17**
